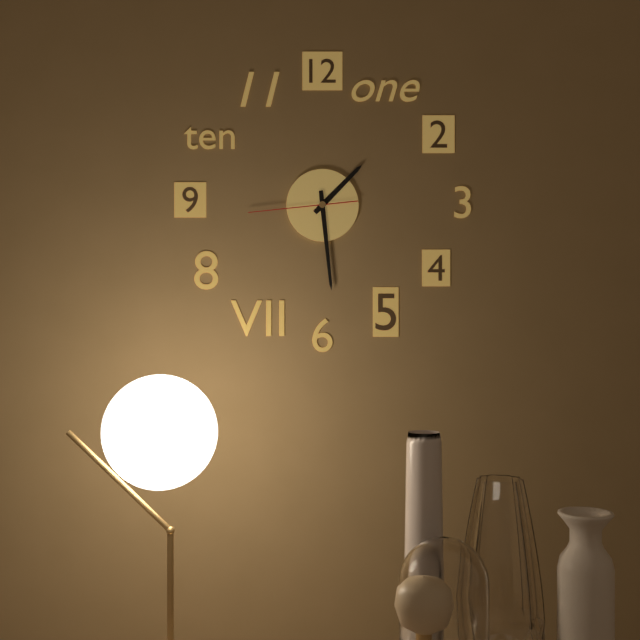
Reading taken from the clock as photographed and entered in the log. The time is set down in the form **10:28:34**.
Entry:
**1:29:44**
